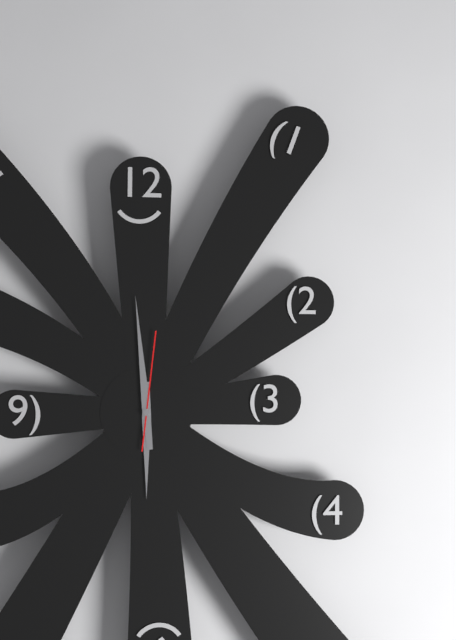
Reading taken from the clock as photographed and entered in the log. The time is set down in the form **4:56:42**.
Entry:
**5:59:01**
